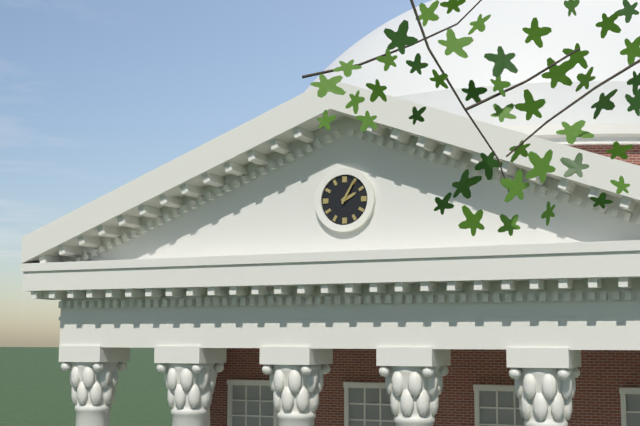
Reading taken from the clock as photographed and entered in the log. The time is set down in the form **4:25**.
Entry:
**2:05**
